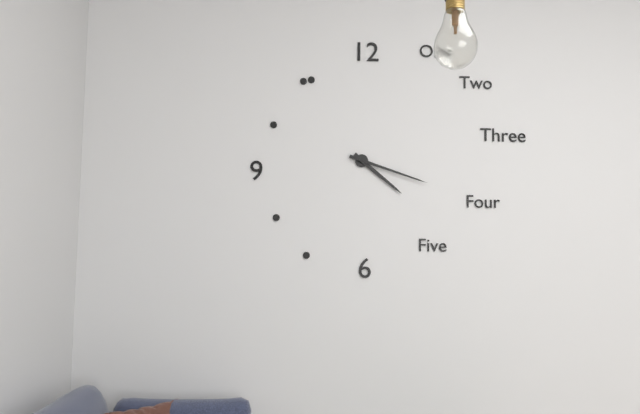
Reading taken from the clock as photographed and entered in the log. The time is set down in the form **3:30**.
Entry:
**4:18**
